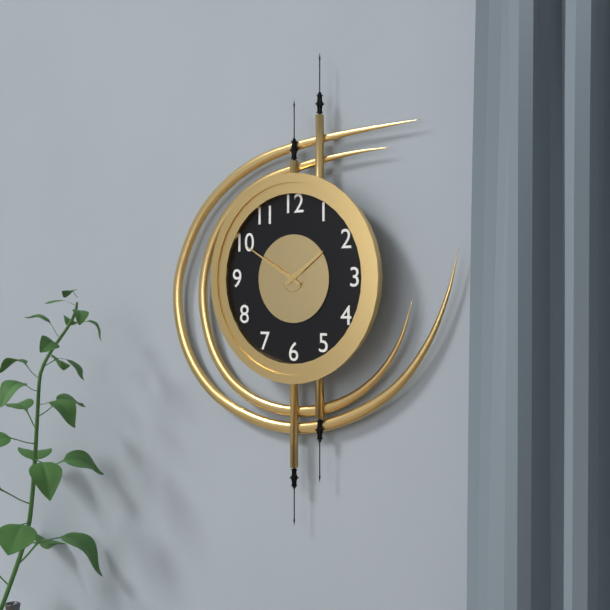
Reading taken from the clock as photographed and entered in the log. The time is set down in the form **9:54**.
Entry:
**1:50**
